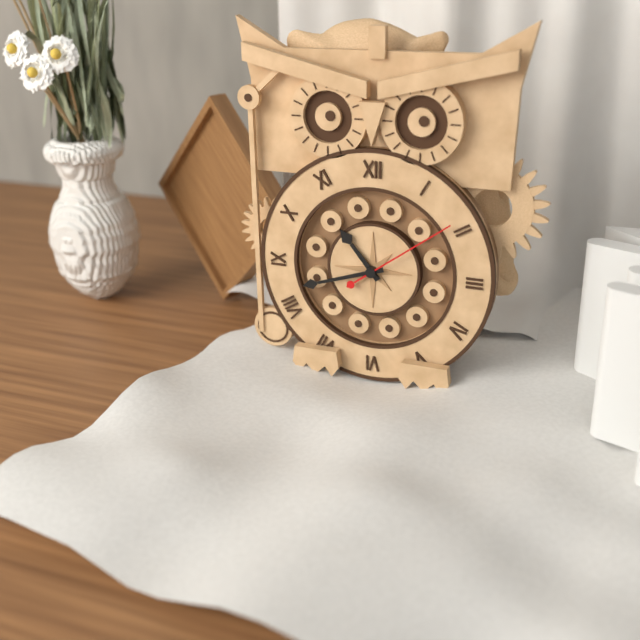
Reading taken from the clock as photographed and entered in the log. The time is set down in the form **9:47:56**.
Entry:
**10:42:09**
